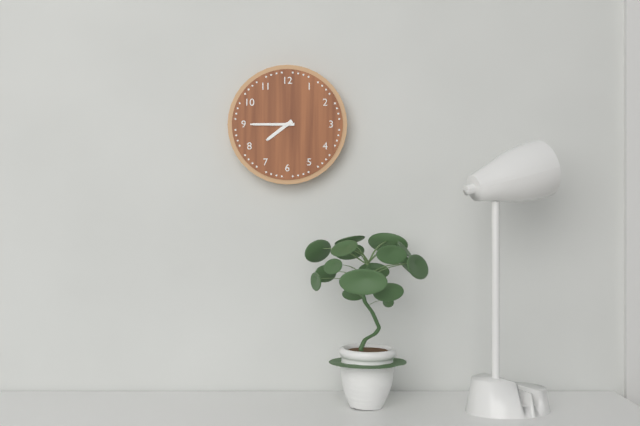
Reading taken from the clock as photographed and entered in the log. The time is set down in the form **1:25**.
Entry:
**7:45**
